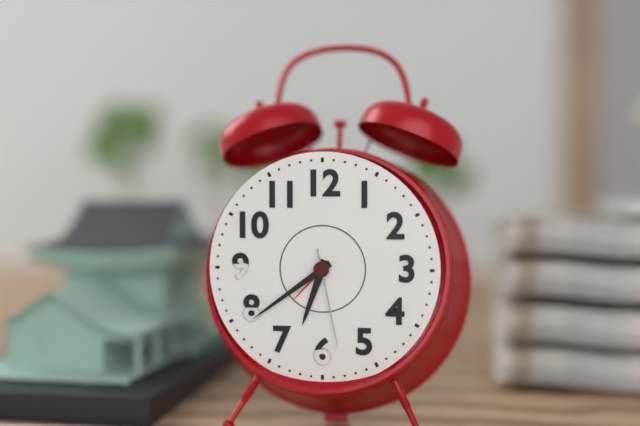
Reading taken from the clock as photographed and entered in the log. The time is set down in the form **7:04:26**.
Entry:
**6:39:28**
